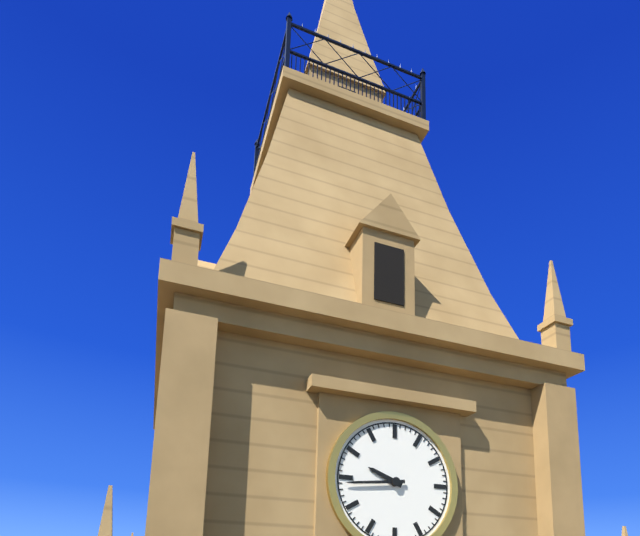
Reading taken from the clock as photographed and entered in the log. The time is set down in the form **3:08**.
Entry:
**9:44**
